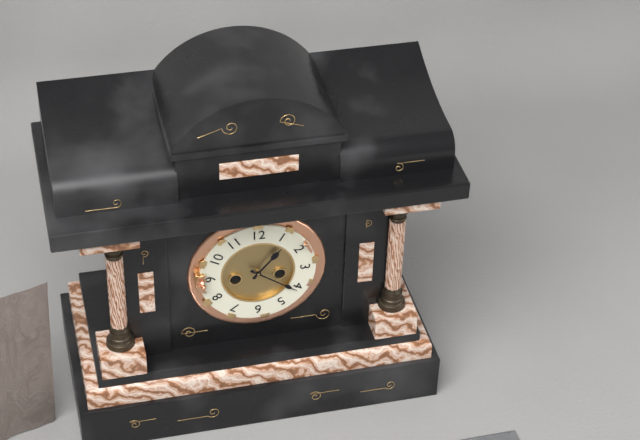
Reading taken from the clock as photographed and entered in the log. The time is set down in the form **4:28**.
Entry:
**1:21**
